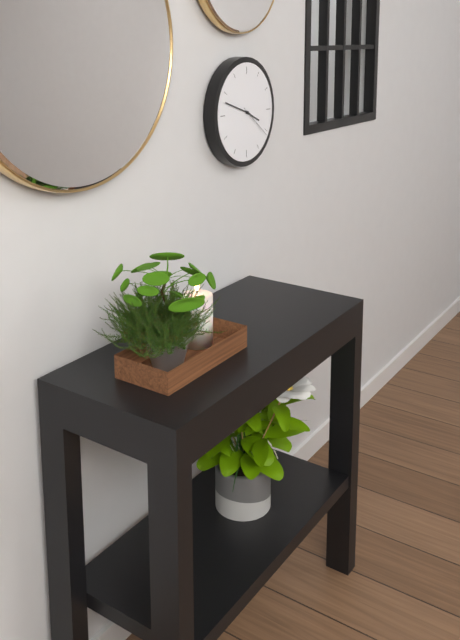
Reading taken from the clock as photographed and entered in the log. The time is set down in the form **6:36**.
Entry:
**3:48**
